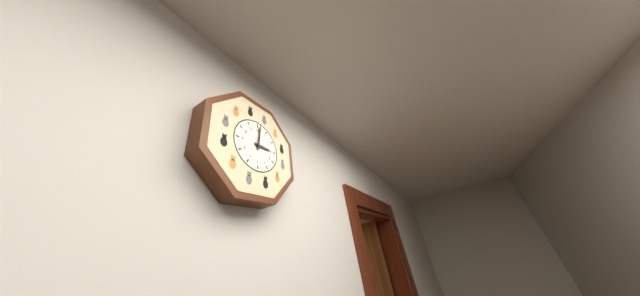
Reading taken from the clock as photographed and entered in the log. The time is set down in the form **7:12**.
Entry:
**3:01**
